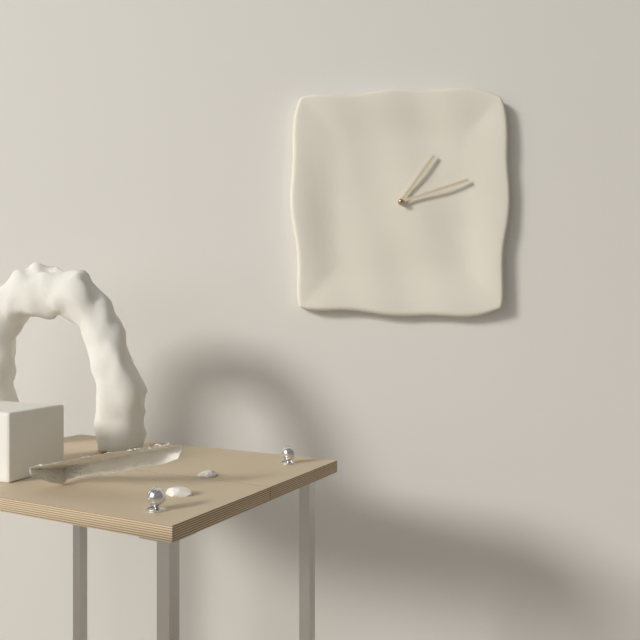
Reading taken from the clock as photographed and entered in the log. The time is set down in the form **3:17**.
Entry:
**1:12**
